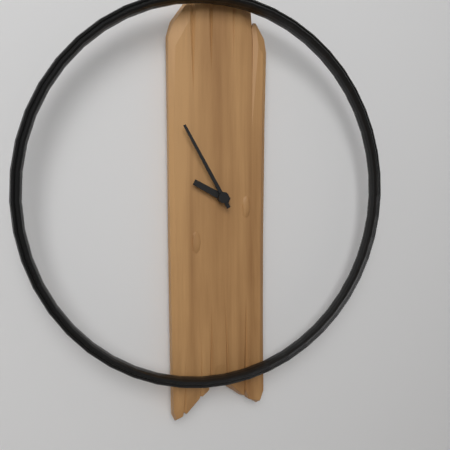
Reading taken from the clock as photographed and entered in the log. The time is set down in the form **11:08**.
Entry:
**9:55**
